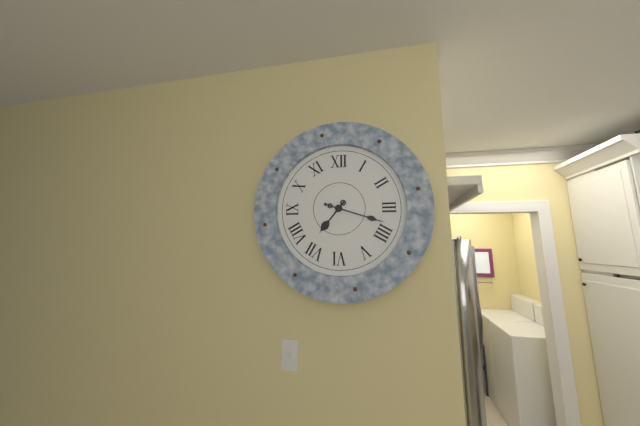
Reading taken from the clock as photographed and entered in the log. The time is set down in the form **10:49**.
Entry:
**7:18**
